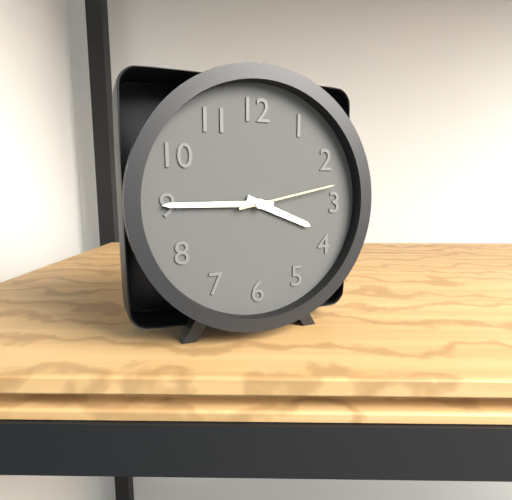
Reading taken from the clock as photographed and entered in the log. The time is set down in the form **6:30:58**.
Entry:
**3:45:13**
